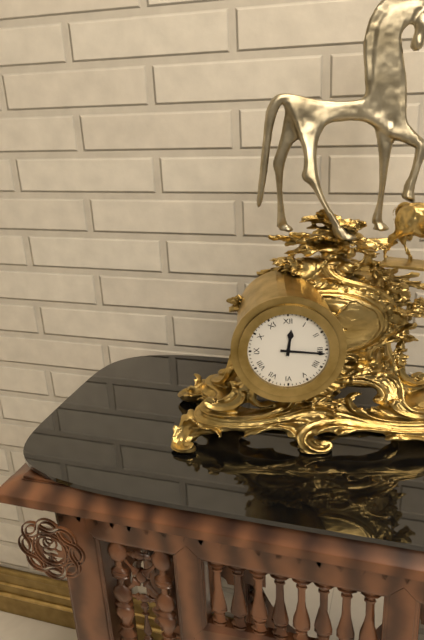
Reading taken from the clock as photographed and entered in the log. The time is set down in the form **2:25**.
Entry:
**12:16**
